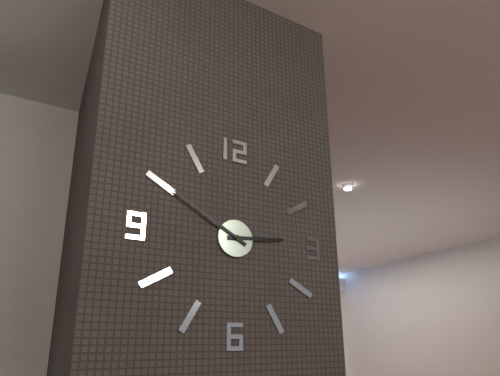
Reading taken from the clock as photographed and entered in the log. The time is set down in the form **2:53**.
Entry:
**2:50**
